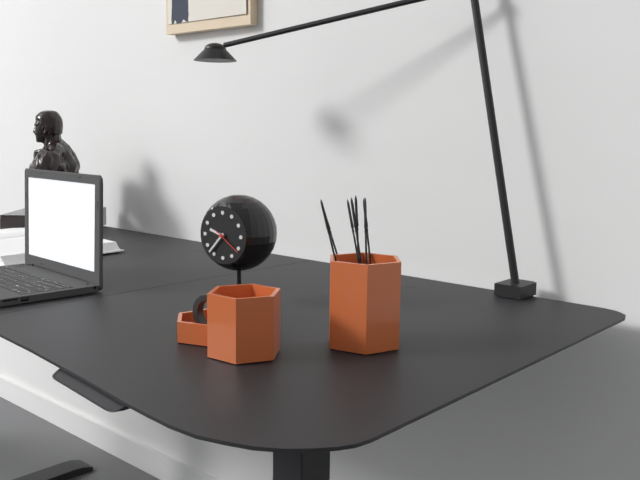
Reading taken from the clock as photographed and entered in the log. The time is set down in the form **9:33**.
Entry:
**9:37**
